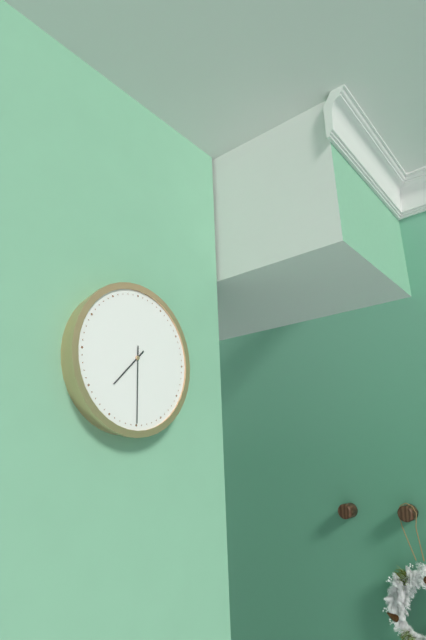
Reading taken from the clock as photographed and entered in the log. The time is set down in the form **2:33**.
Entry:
**7:30**
